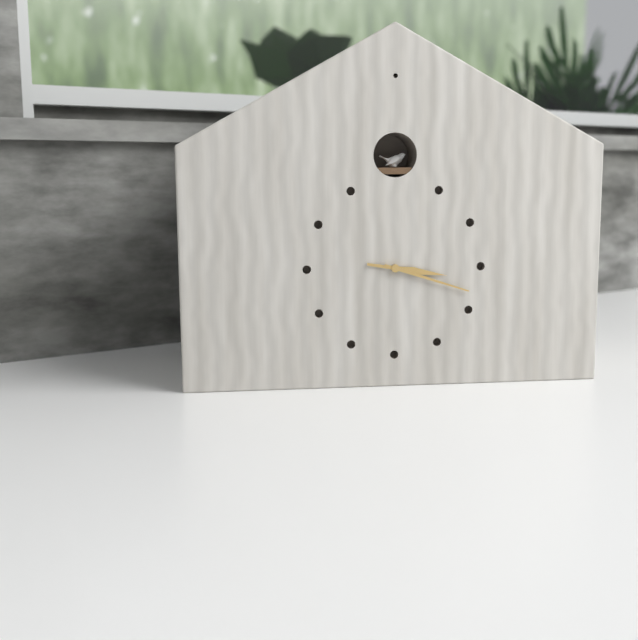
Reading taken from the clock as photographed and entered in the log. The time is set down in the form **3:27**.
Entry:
**3:18**
